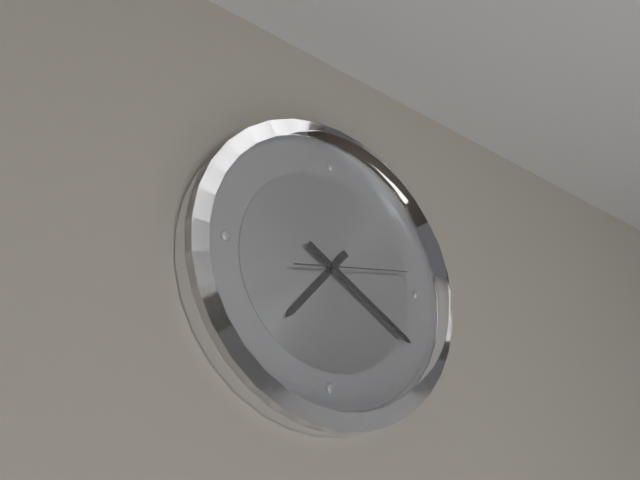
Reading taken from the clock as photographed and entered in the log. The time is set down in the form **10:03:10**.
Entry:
**7:20:13**
